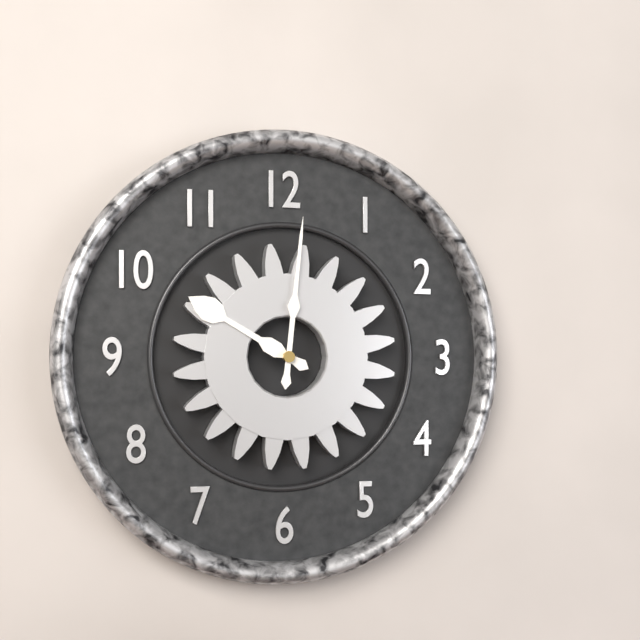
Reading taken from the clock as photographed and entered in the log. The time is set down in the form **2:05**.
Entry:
**10:01**
